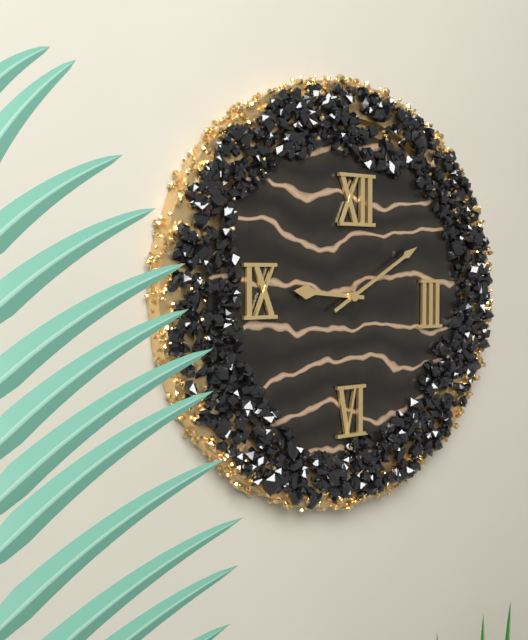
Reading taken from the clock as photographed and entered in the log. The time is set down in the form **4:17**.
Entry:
**9:10**
